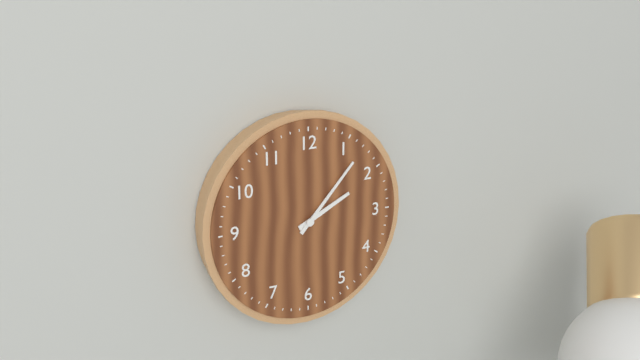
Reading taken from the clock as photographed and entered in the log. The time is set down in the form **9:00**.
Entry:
**2:07**
